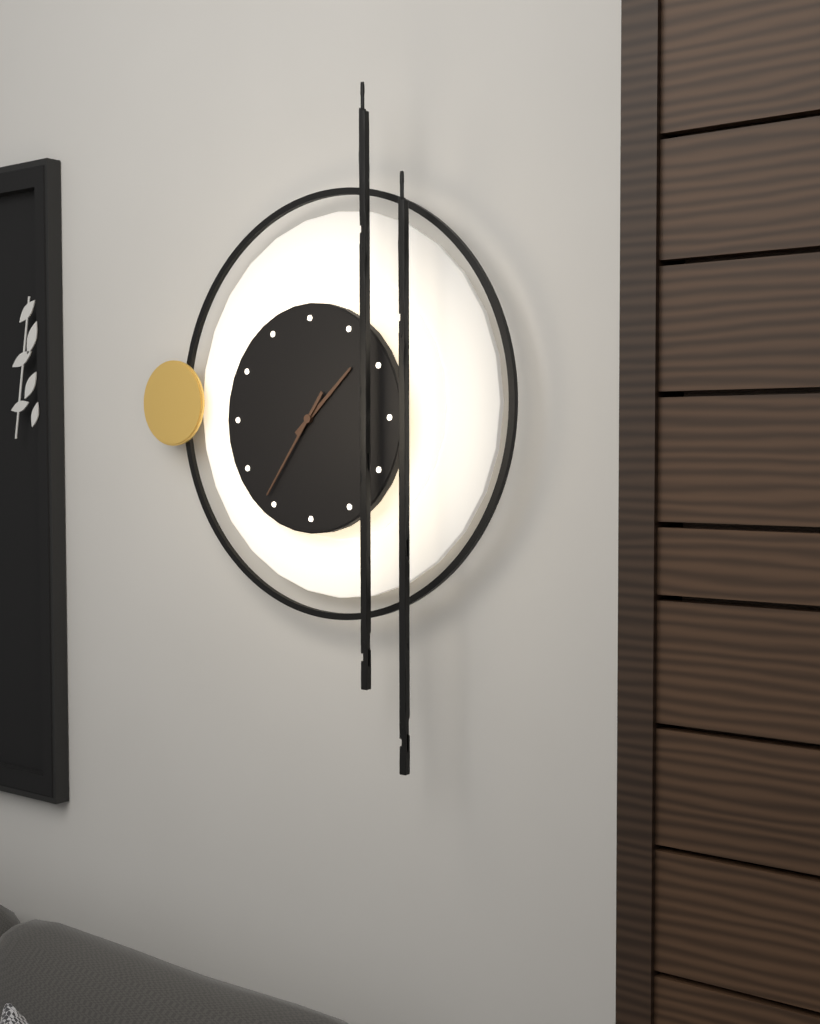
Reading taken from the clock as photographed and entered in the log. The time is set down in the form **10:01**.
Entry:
**1:36**
